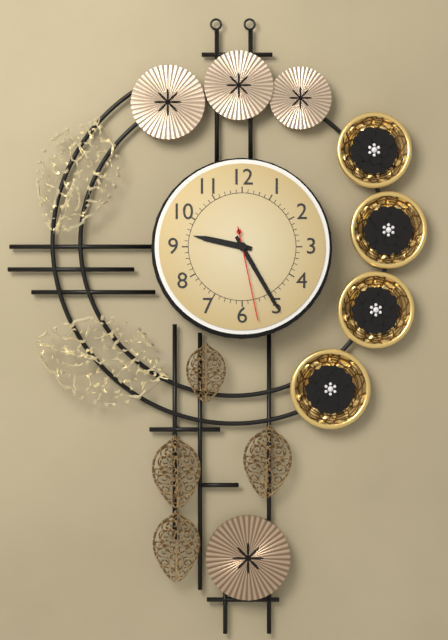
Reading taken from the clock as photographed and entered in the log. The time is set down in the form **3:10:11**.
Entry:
**9:25:28**
